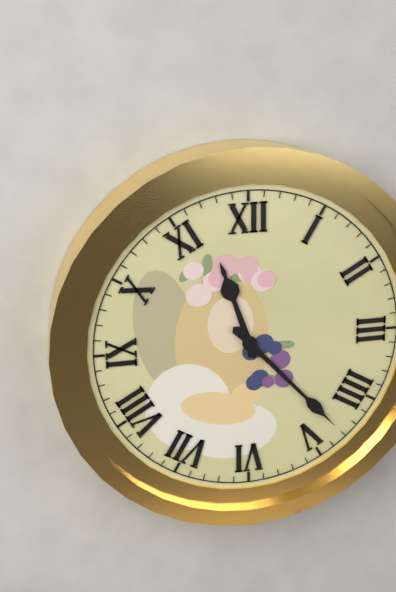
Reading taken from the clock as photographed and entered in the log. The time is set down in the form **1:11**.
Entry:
**11:23**
